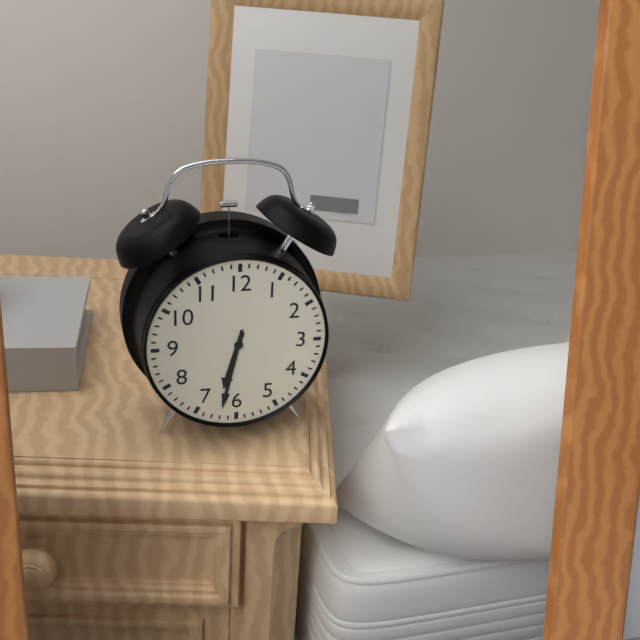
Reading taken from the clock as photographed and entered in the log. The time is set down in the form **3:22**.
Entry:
**6:32**
